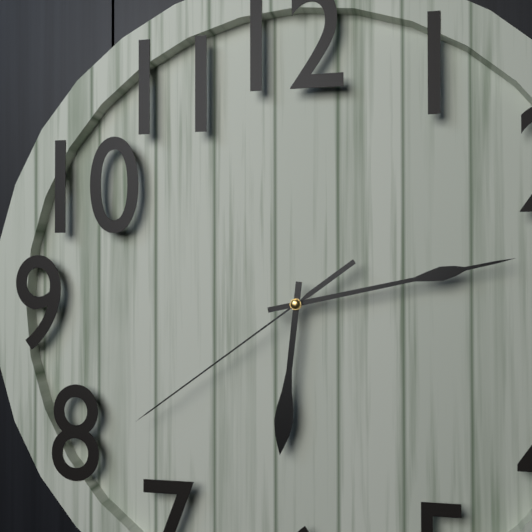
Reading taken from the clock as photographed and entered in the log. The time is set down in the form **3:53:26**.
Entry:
**6:13:39**
